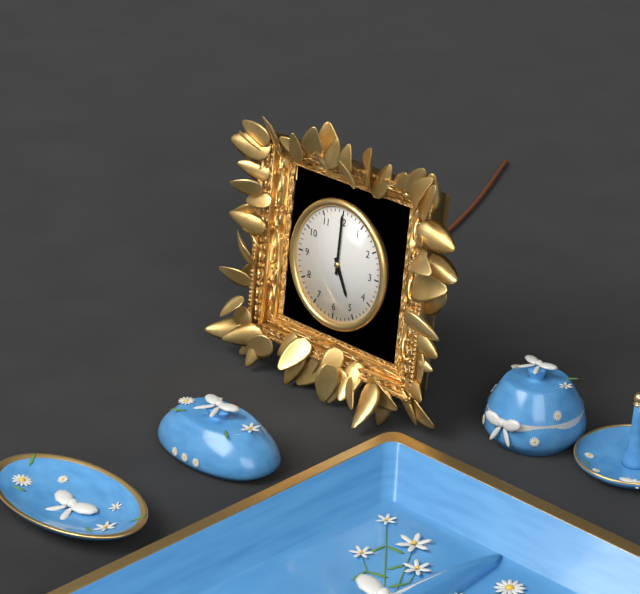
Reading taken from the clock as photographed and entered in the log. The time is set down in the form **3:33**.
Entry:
**5:00**
